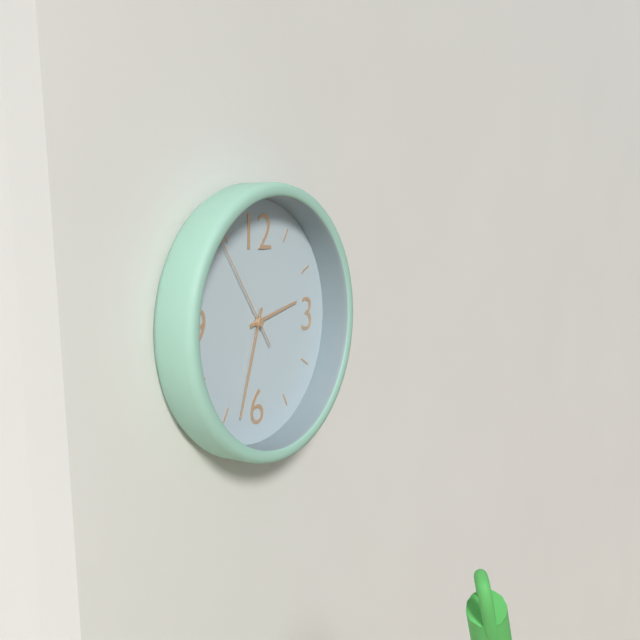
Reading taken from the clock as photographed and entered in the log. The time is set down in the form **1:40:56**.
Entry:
**2:33:54**
